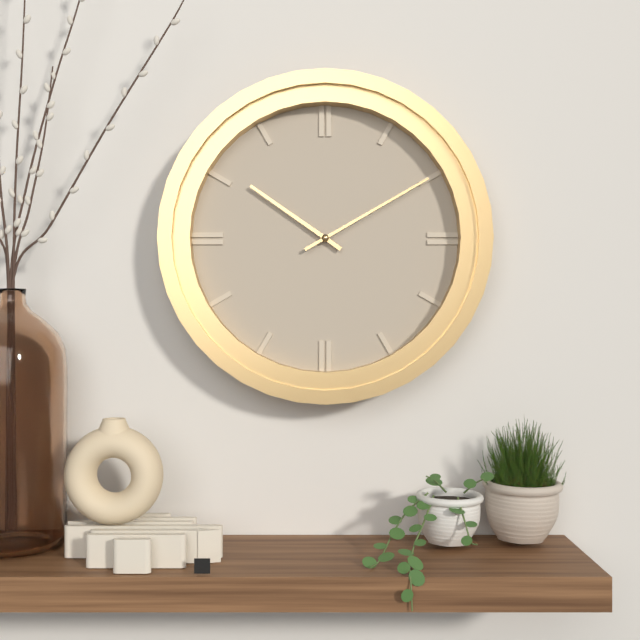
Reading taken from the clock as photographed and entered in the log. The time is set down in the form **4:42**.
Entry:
**10:10**
